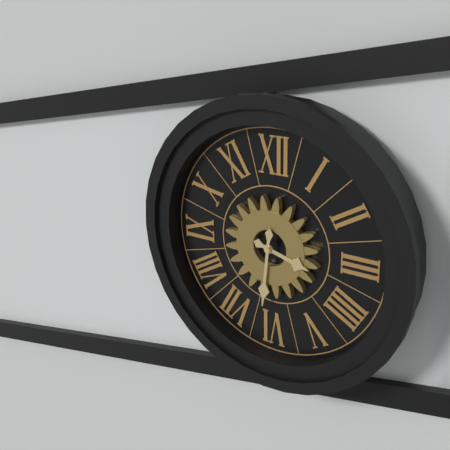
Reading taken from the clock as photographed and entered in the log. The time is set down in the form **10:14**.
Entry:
**3:31**
